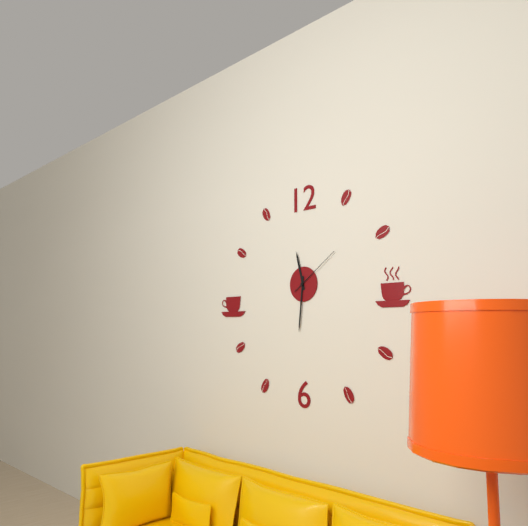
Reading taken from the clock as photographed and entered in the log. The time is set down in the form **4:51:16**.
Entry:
**11:31:09**
